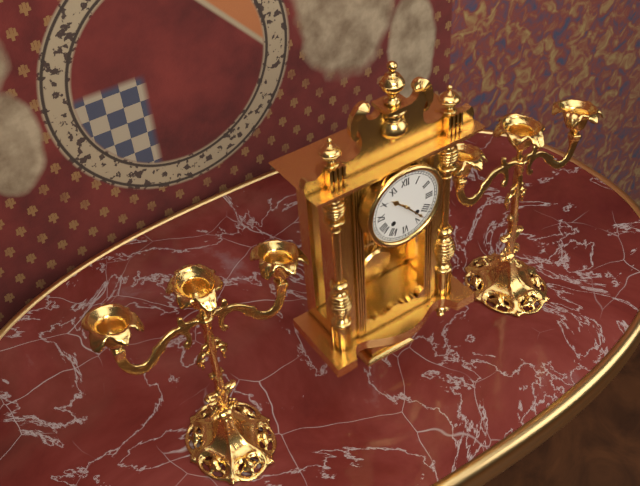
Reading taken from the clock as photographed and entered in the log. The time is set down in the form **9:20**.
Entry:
**10:23**
